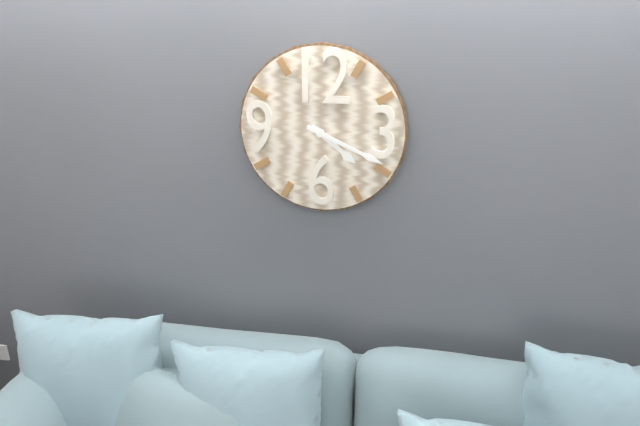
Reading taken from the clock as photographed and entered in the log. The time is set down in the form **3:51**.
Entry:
**4:19**
